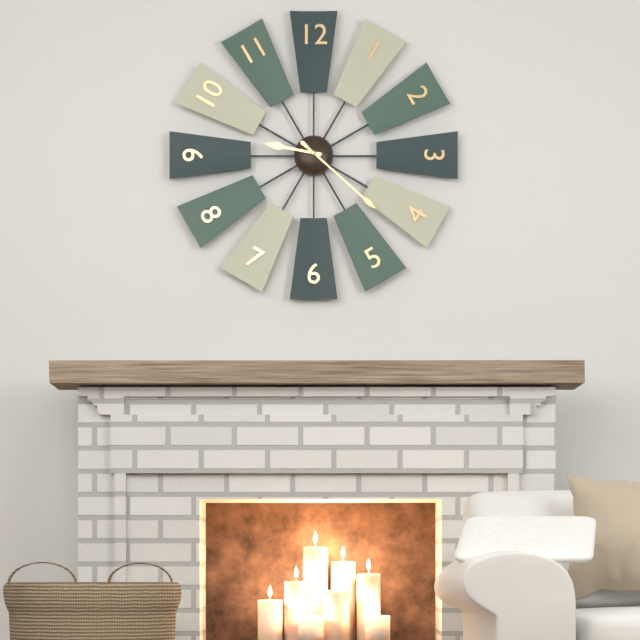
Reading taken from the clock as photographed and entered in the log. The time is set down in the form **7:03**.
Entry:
**9:22**
